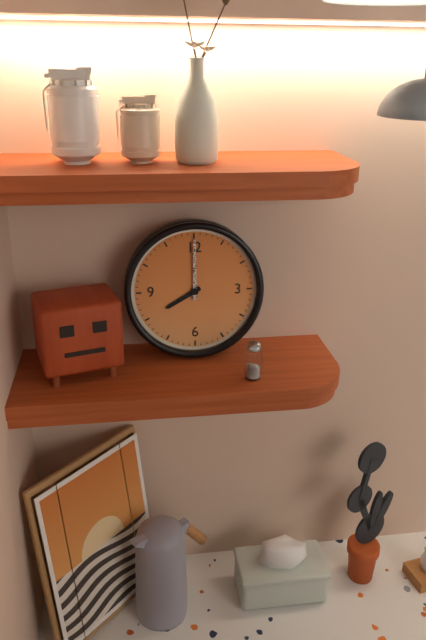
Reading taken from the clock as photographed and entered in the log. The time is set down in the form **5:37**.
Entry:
**8:00**
